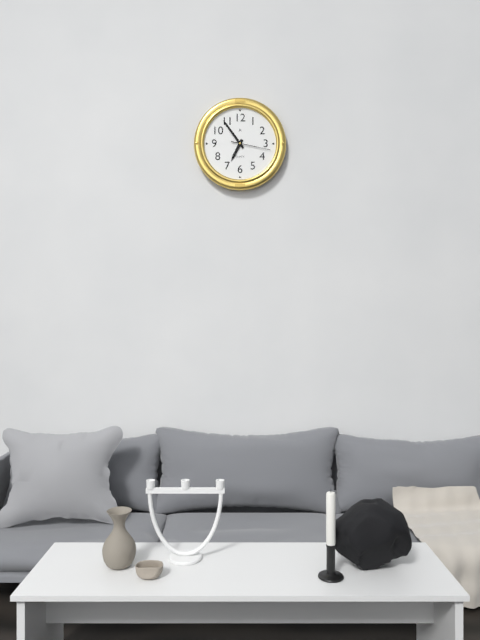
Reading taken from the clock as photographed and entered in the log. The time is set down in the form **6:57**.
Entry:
**6:54**
